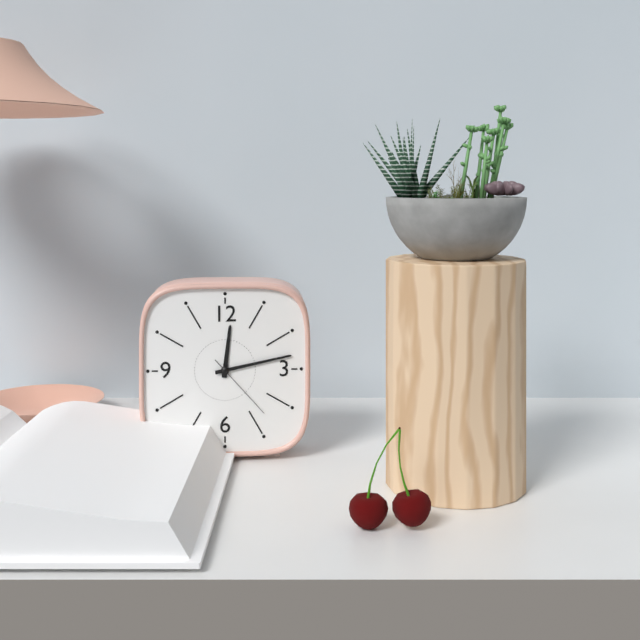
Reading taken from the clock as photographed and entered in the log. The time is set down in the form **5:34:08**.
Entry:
**12:13:23**
